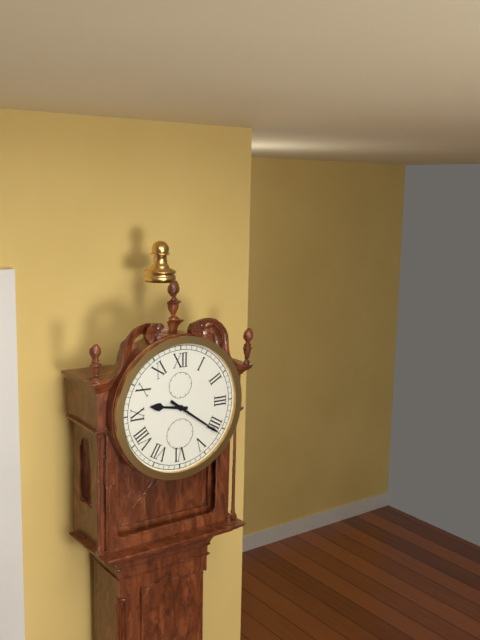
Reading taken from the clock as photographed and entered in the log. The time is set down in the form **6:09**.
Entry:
**9:21**
